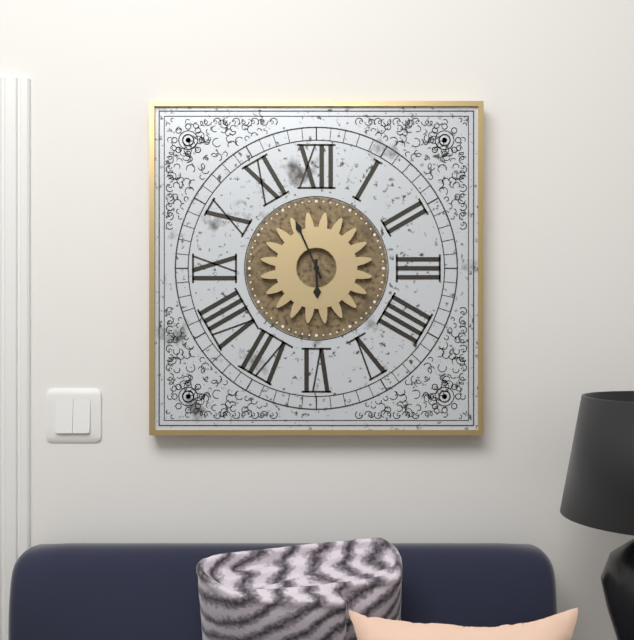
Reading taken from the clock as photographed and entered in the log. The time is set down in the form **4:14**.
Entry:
**5:56**
